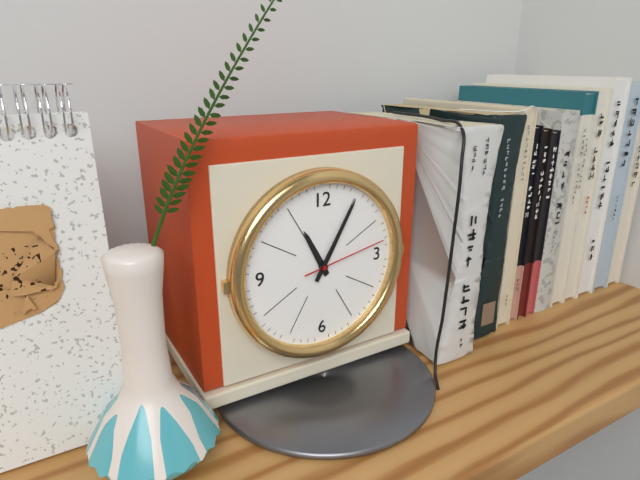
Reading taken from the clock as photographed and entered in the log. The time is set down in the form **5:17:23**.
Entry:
**11:05:13**
